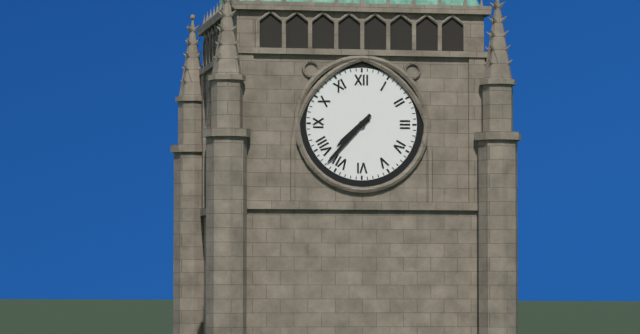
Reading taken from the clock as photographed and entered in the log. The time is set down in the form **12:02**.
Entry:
**7:37**
